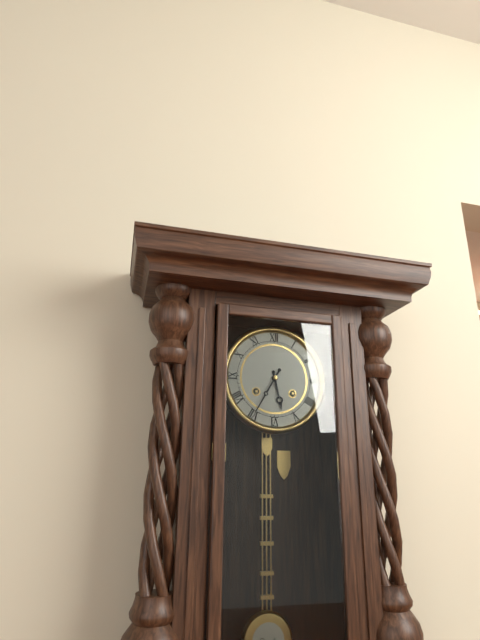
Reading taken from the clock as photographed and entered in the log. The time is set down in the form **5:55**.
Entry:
**5:35**
